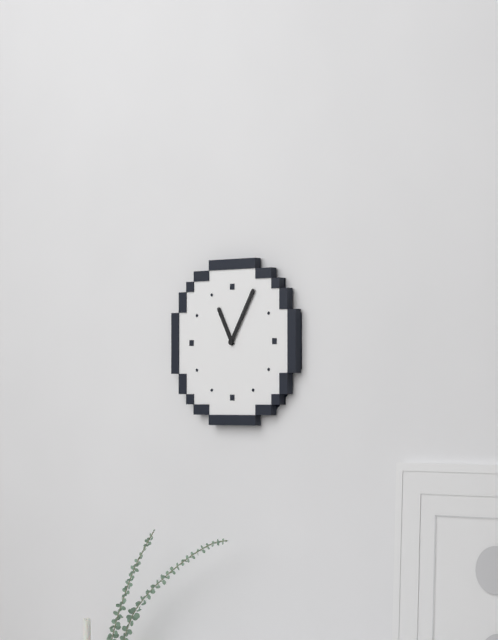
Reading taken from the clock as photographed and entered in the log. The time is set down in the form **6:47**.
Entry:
**11:05**
